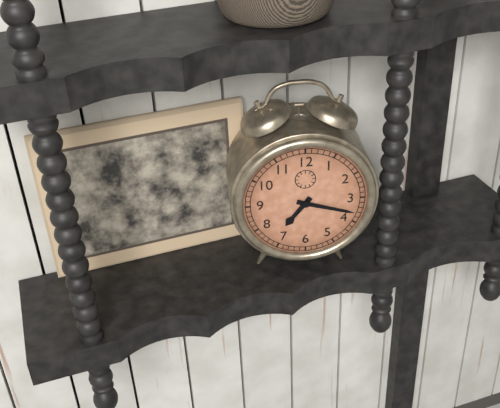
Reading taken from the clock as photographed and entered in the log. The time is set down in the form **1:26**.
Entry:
**7:18**
